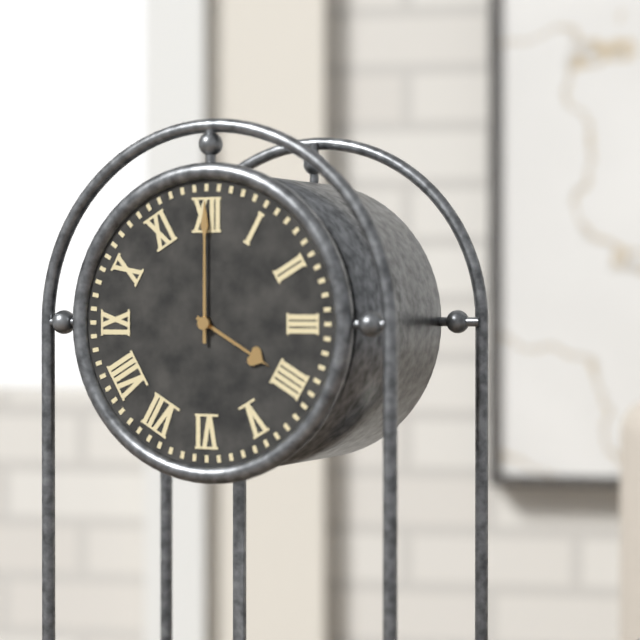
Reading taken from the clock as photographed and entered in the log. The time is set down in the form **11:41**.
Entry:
**4:00**
